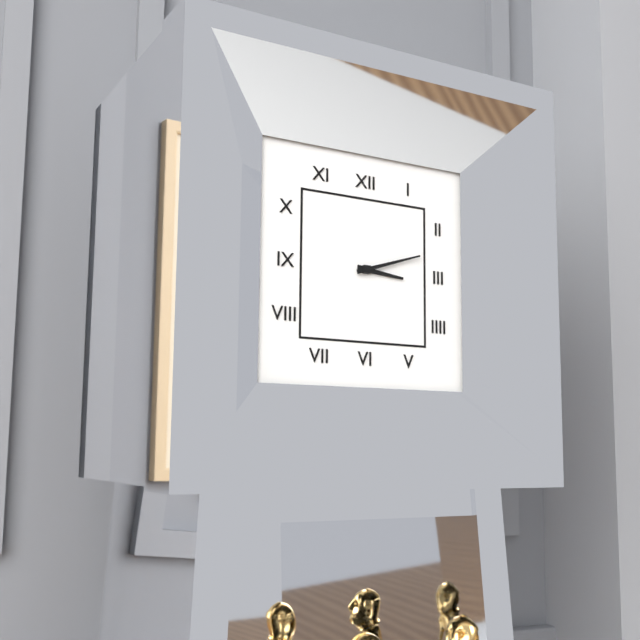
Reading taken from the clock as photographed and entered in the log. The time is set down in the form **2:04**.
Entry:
**3:12**
